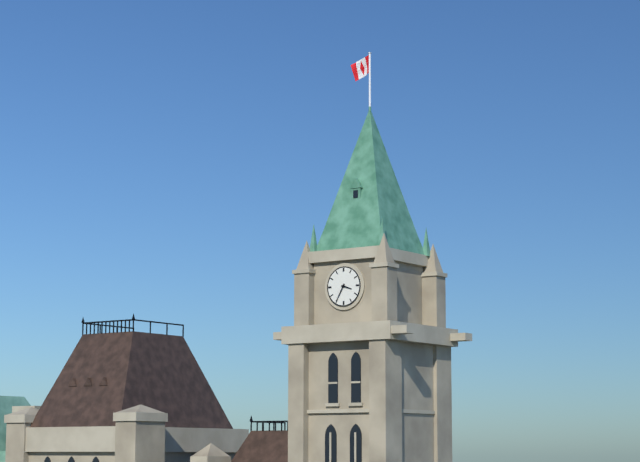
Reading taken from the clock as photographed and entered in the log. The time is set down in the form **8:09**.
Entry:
**3:35**
